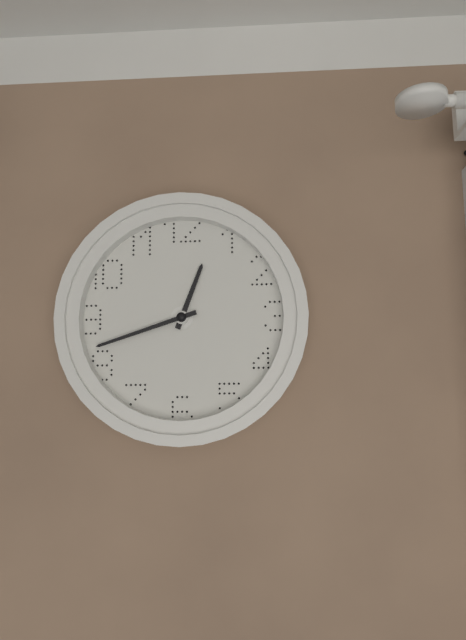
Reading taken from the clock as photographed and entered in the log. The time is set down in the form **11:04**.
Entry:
**12:42**
